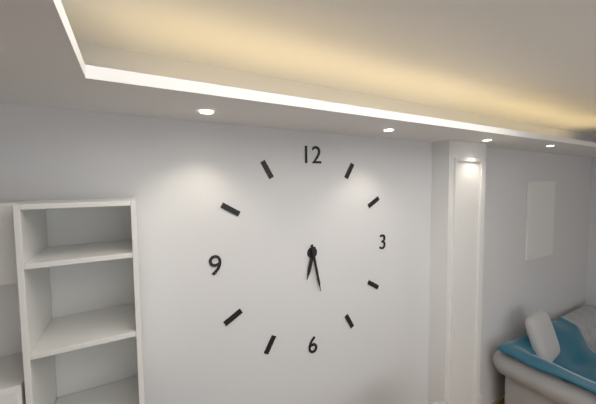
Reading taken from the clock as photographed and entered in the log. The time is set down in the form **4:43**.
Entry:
**6:28**
